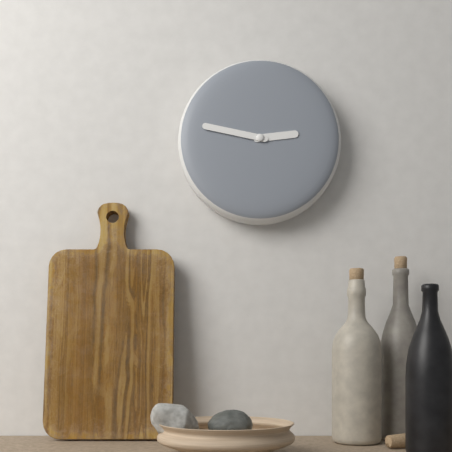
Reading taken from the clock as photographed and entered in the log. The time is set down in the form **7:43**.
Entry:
**2:47**
